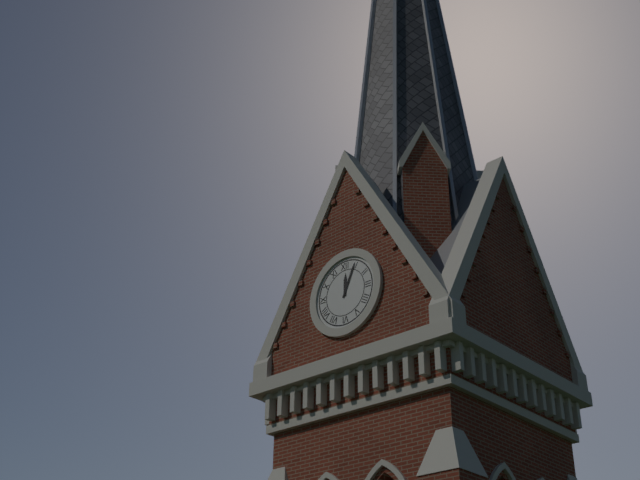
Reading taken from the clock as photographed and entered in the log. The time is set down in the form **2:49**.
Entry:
**12:04**
